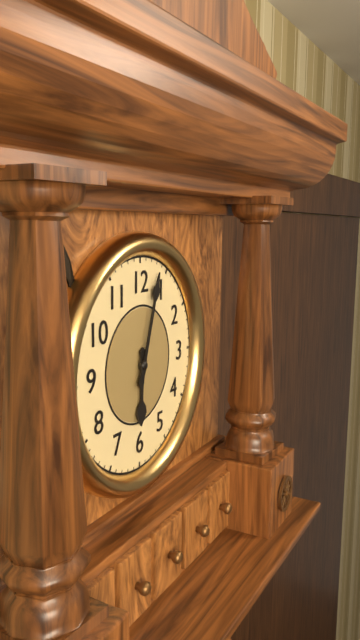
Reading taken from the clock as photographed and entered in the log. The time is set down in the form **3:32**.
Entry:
**6:03**
